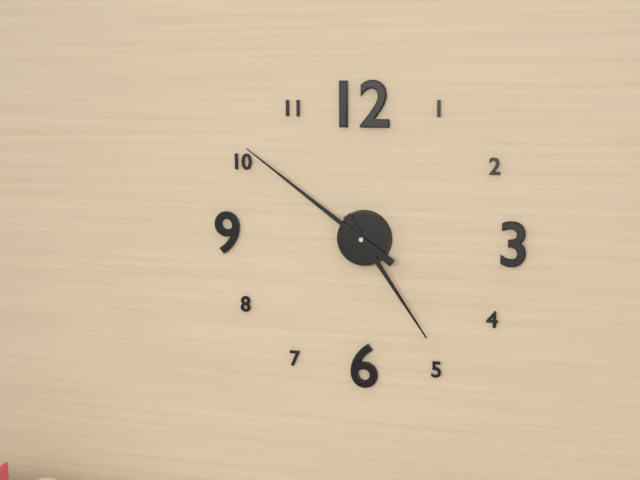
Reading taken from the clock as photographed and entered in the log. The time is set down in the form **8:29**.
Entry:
**4:51**
